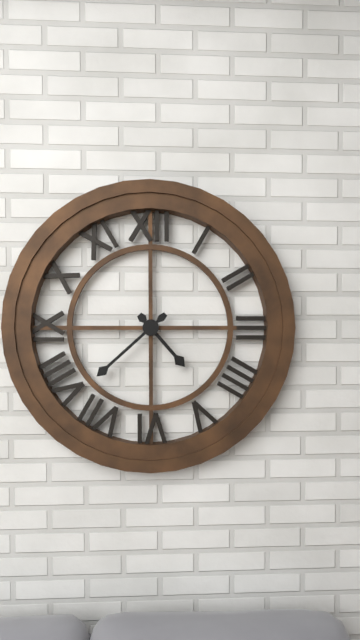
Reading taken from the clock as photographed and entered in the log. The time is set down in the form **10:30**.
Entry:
**4:38**
